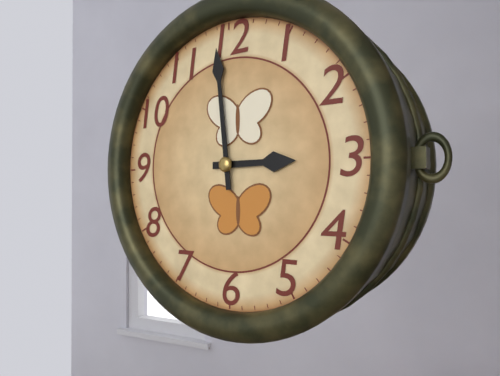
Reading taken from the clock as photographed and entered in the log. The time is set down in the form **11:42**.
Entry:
**2:59**
